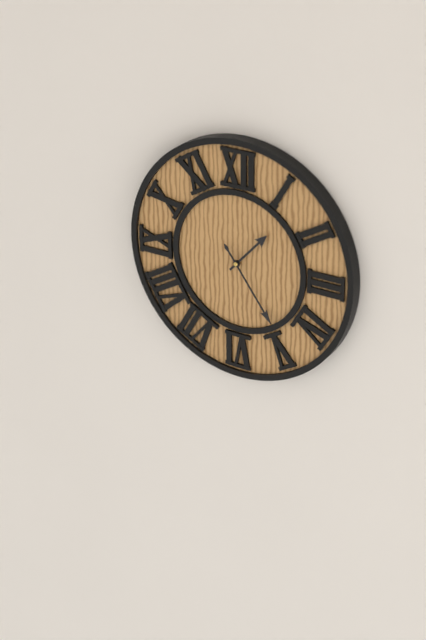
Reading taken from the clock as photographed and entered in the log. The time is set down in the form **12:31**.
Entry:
**1:24**
